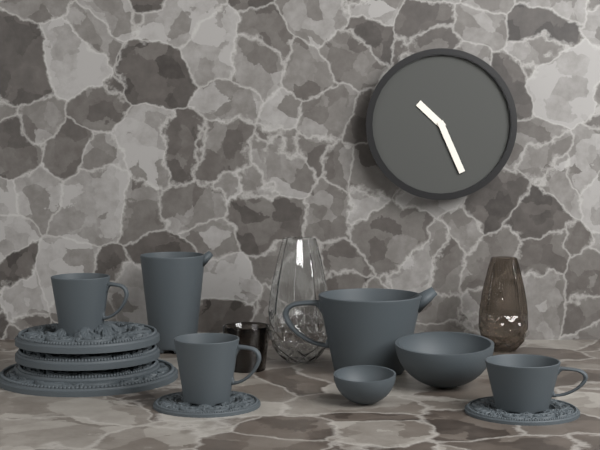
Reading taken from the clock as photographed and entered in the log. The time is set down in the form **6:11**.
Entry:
**10:26**
